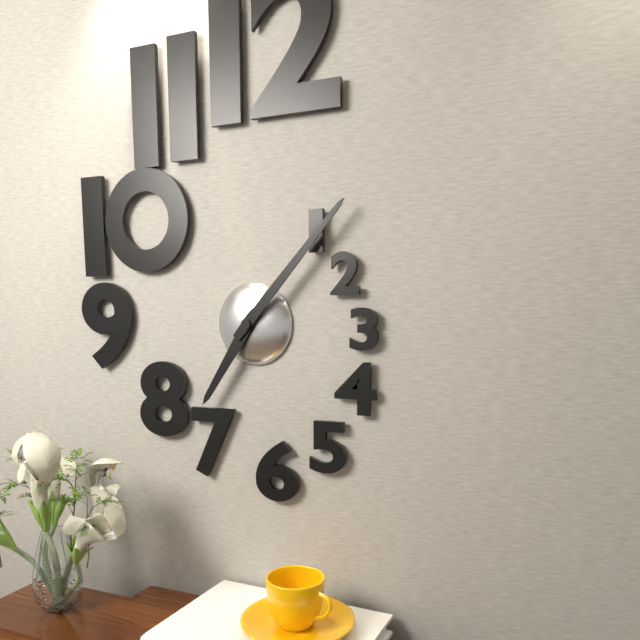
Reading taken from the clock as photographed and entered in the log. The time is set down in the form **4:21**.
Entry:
**7:07**
